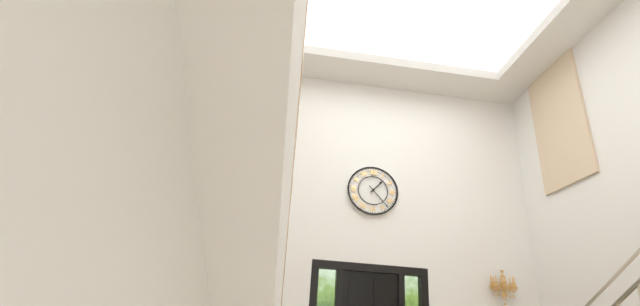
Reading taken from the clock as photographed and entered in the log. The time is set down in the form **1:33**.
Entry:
**1:23**
